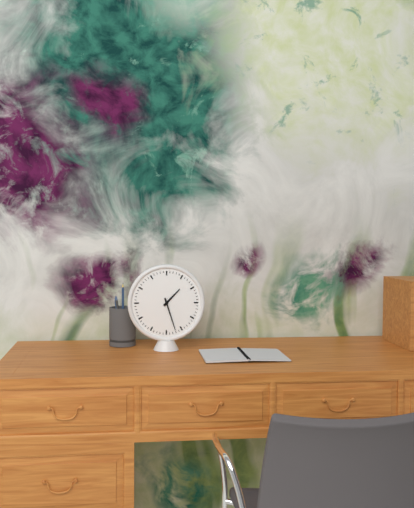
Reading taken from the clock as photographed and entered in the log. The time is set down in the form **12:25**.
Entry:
**1:27**
